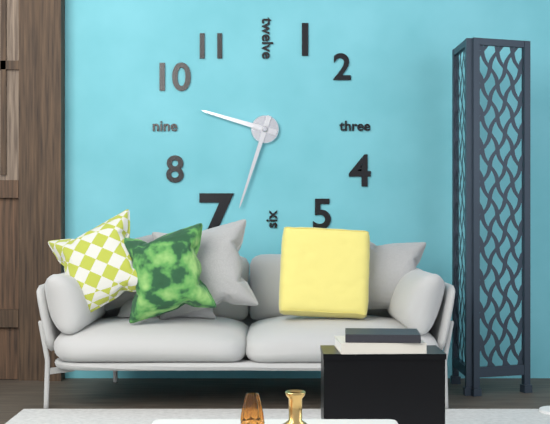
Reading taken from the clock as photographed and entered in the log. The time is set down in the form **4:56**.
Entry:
**9:33**
